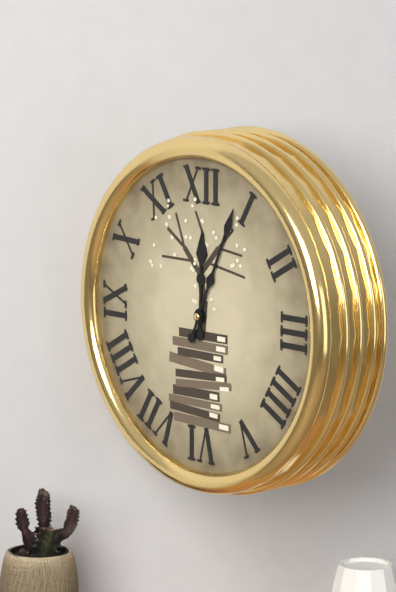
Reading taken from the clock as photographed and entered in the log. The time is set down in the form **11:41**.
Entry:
**12:04**
